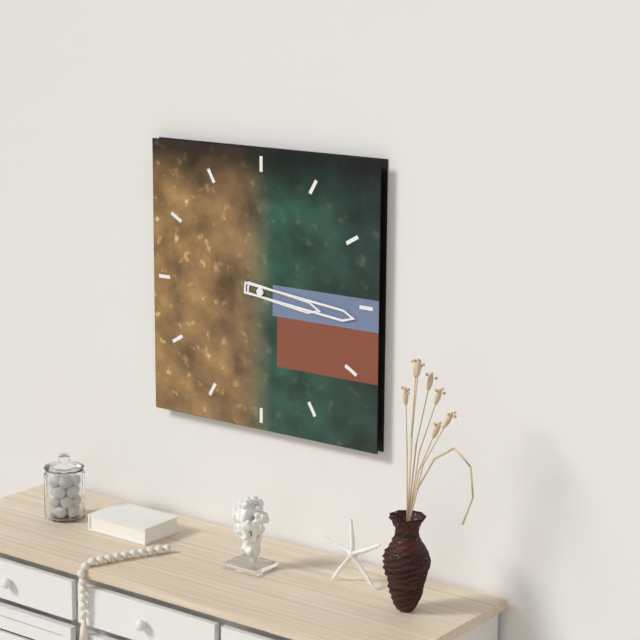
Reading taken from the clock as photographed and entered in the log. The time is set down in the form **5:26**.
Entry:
**3:16**
